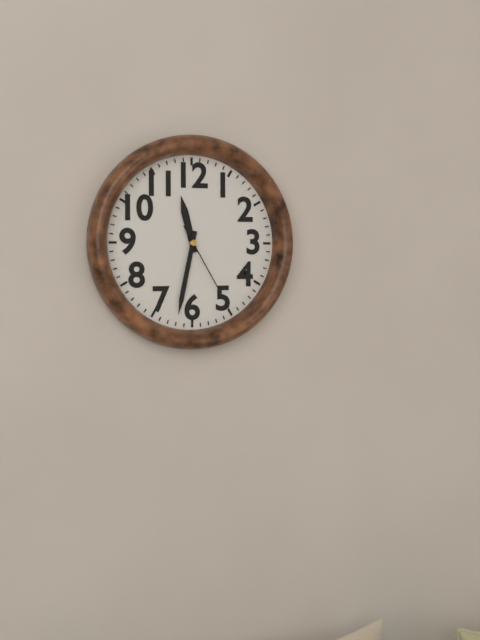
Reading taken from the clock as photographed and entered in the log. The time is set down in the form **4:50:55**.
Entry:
**11:32:25**
